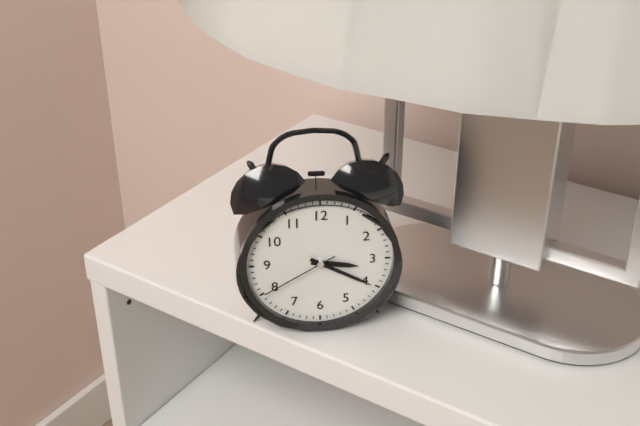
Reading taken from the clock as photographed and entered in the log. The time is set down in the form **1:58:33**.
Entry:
**3:20:40**
